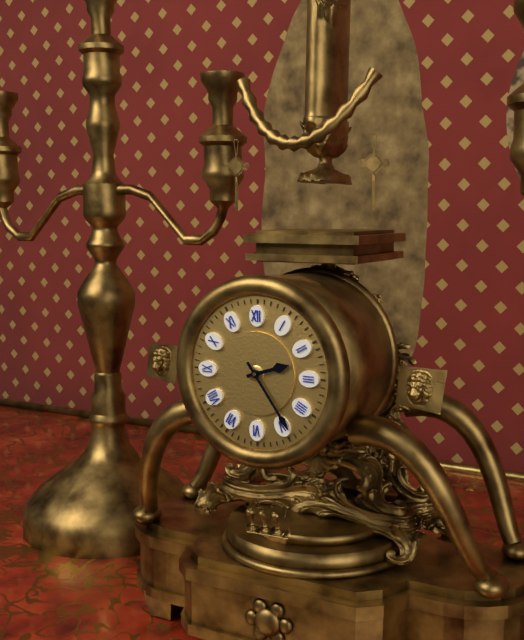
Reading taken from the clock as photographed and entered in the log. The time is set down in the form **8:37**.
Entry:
**2:24**
